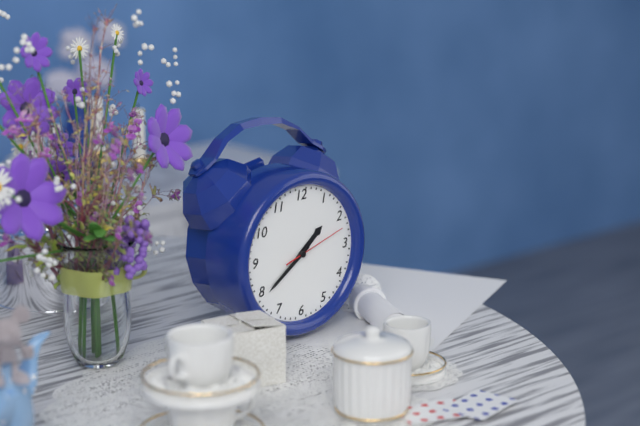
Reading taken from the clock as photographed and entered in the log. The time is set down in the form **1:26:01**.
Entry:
**1:39:12**
